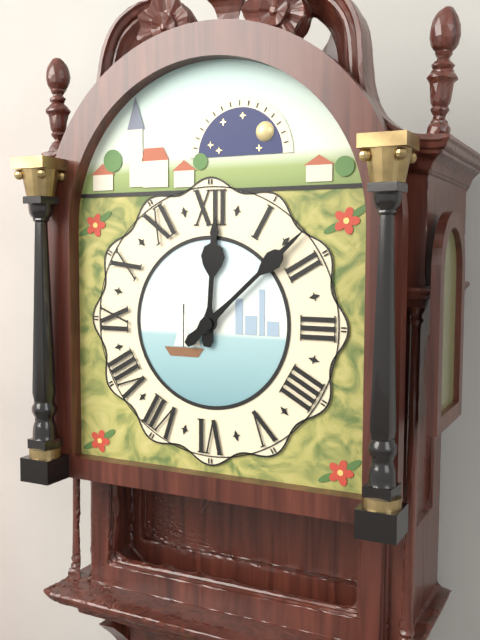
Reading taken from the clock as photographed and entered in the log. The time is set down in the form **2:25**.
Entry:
**12:08**
